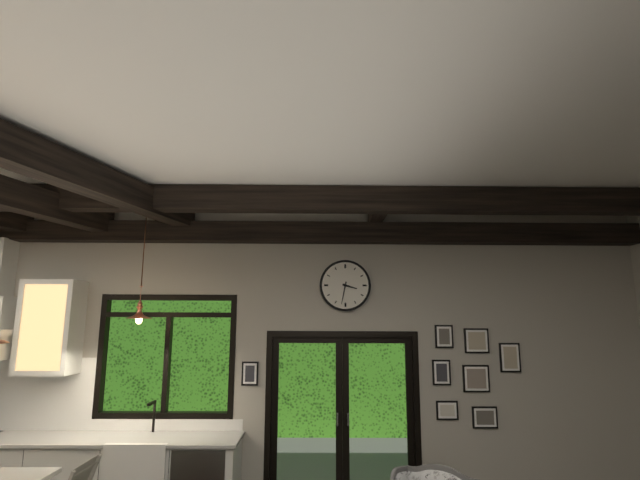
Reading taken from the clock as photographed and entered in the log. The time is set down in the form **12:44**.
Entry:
**3:32**
